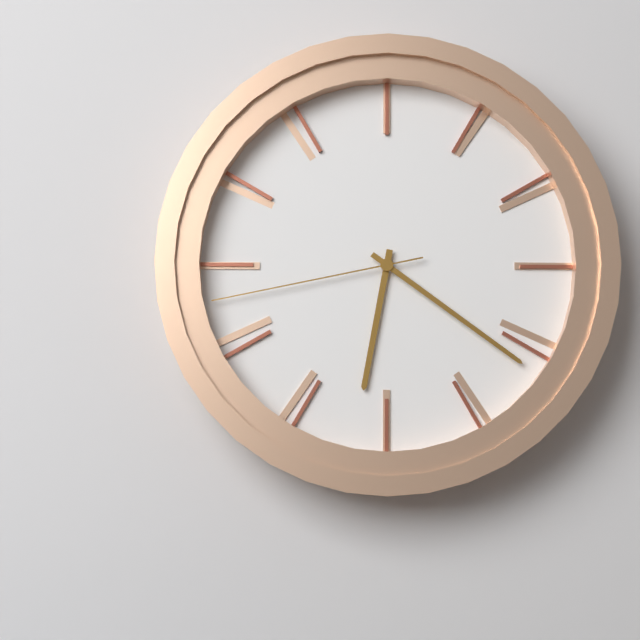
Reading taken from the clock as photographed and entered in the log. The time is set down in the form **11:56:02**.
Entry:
**6:21:43**
